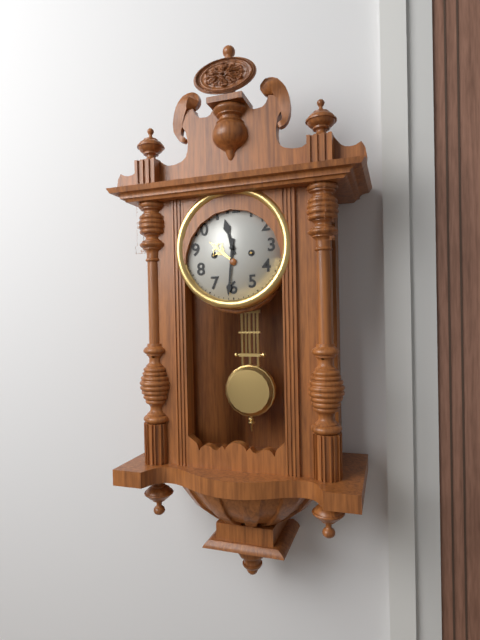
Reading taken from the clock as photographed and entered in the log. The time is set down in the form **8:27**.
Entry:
**11:31**
